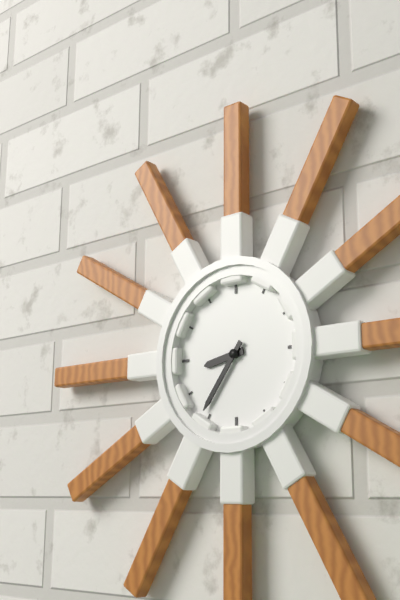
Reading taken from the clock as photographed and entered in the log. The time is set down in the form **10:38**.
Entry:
**8:36**
